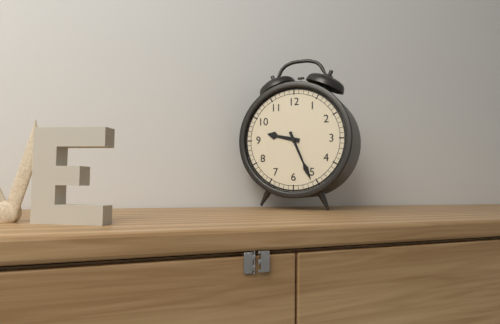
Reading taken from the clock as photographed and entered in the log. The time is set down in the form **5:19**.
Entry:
**9:26**
